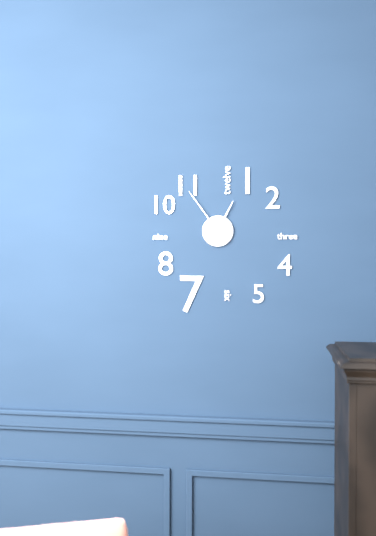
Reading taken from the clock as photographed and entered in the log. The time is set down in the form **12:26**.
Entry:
**12:54**
